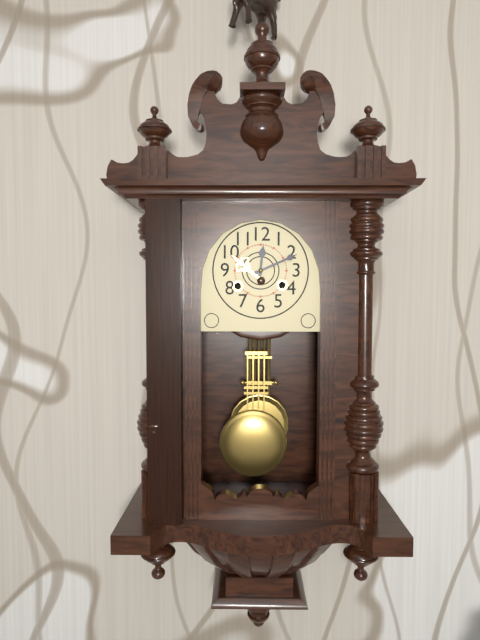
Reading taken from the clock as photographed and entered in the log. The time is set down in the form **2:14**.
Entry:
**12:11**
